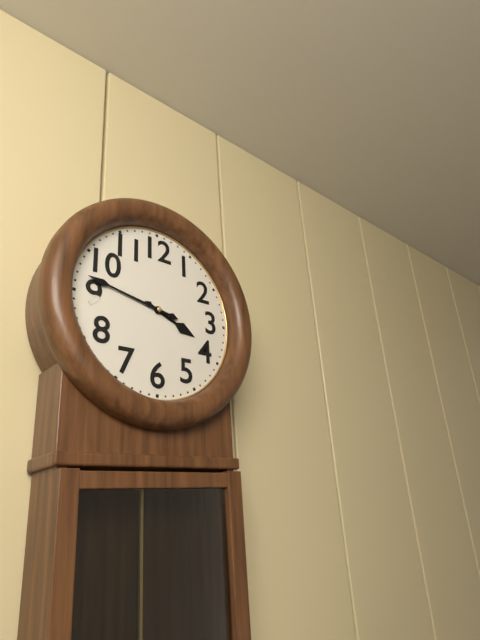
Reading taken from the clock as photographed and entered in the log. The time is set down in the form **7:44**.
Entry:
**3:47**
